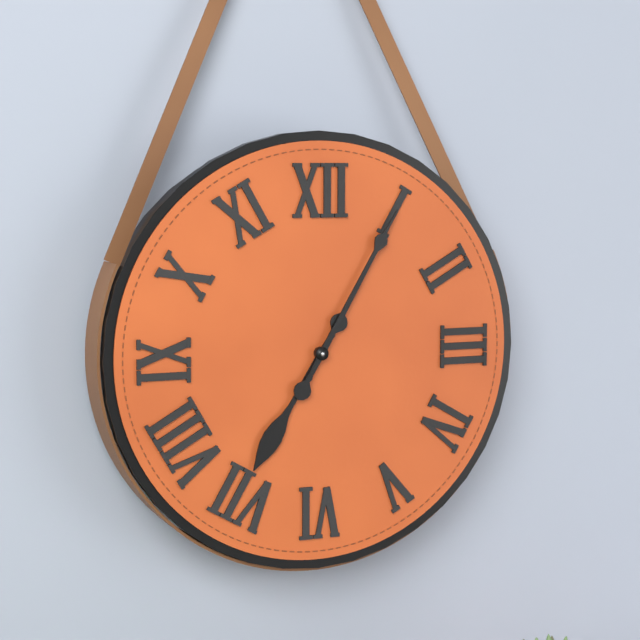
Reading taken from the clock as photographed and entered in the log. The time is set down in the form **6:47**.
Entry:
**7:05**
